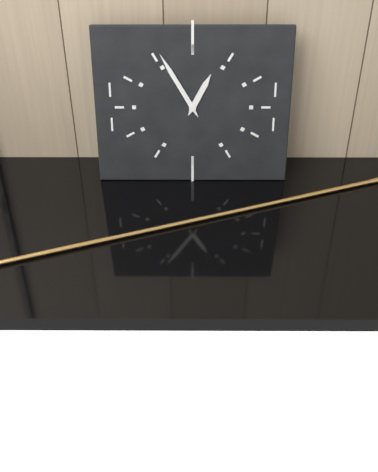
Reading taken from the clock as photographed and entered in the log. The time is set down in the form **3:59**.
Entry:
**12:55**
